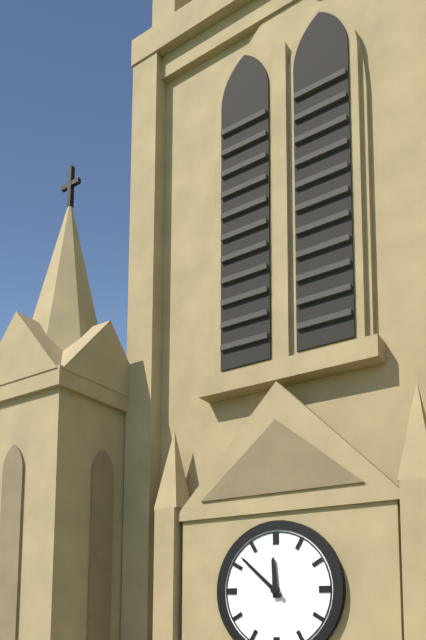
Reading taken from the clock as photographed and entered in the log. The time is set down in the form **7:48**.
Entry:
**11:52**
